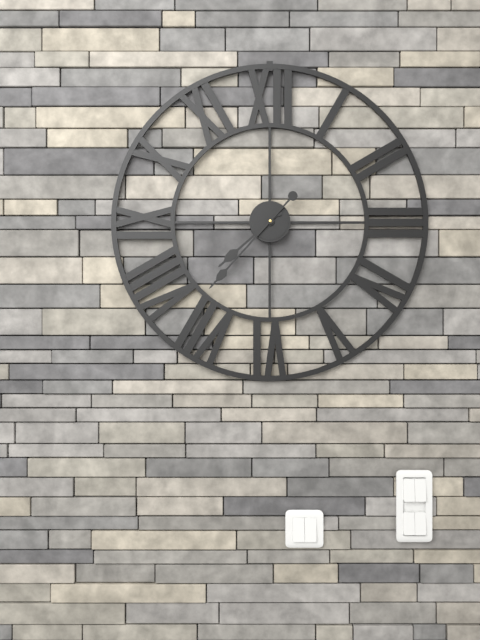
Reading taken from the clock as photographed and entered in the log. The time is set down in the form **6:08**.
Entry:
**7:37**
